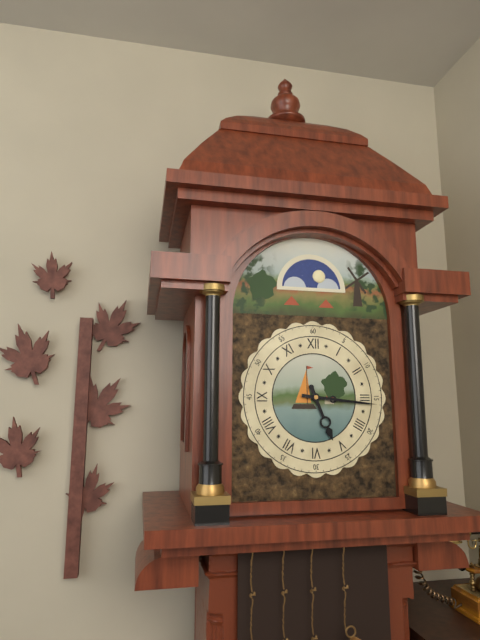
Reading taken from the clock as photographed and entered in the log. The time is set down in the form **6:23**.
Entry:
**5:16**
